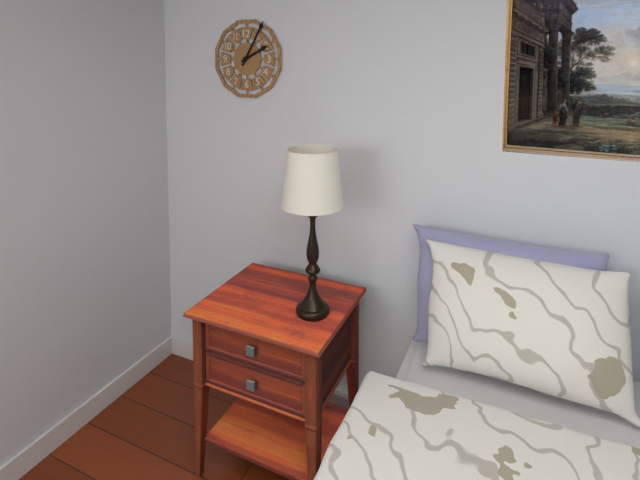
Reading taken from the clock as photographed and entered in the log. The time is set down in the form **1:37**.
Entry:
**2:05**
